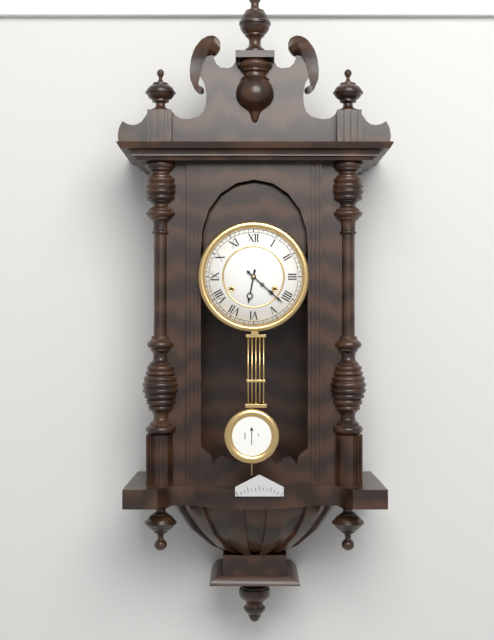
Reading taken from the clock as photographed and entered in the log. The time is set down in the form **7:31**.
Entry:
**6:22**
